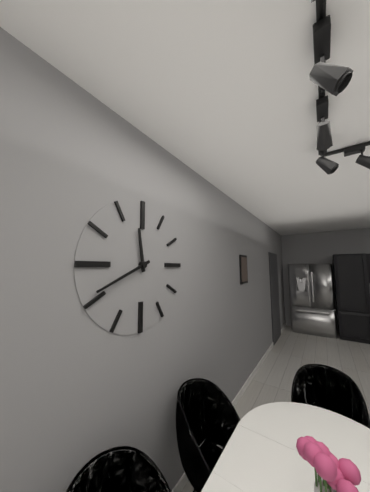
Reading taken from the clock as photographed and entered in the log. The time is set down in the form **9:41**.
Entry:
**11:41**
